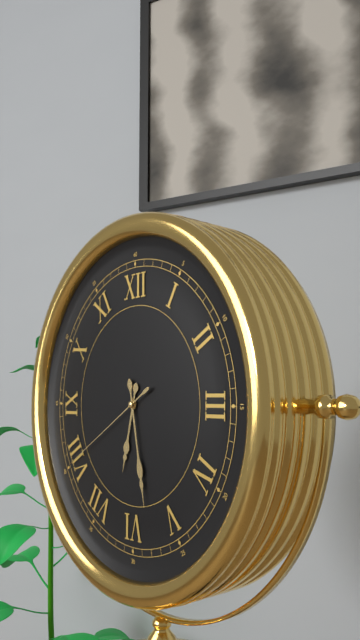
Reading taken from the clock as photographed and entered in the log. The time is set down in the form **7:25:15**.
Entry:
**6:28:40**
